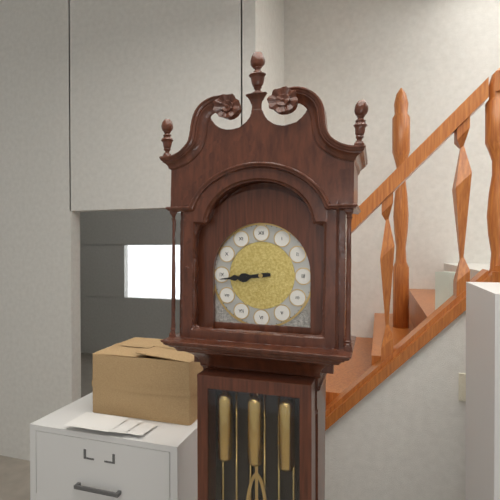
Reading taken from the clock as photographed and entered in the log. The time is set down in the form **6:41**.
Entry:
**8:44**
